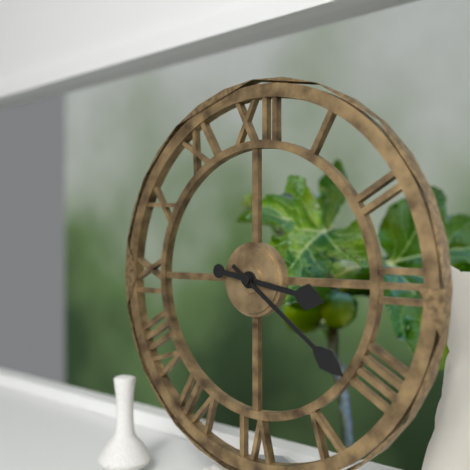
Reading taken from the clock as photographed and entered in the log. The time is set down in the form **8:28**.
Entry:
**3:21**
